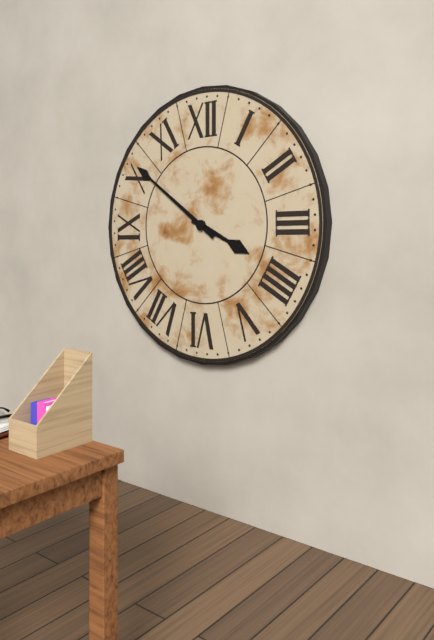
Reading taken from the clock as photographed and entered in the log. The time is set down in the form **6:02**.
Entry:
**3:51**
